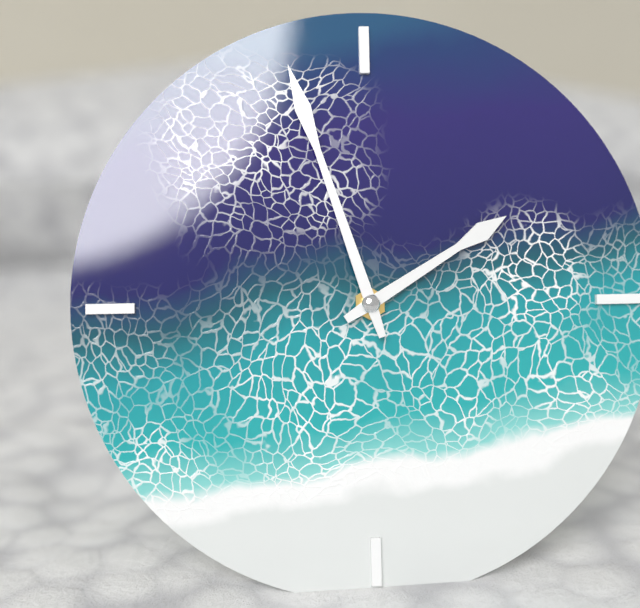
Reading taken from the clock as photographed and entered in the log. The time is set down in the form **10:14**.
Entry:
**1:57**
